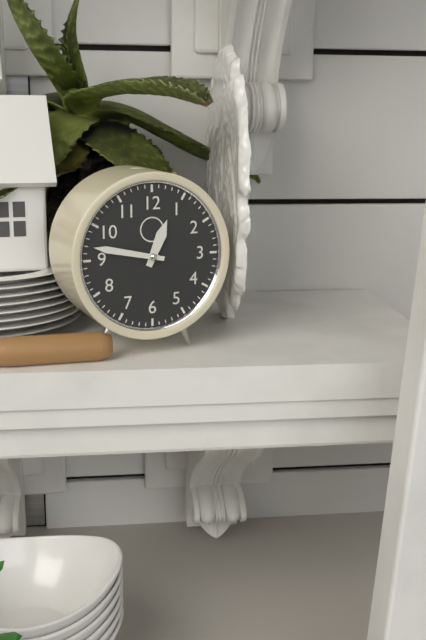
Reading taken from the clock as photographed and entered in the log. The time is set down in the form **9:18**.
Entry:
**12:47**
